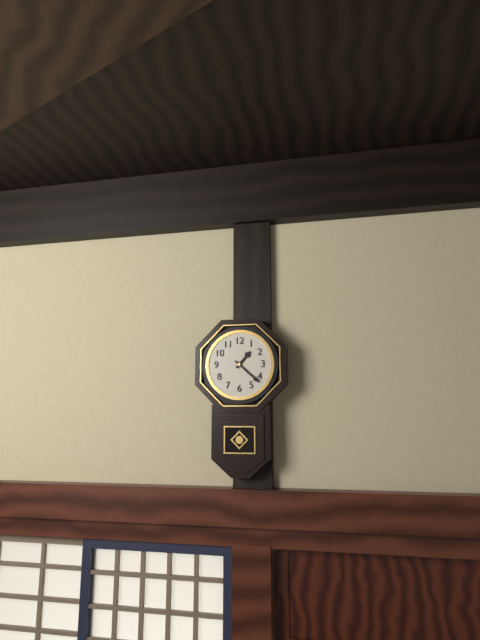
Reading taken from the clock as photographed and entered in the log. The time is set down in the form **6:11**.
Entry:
**1:22**
